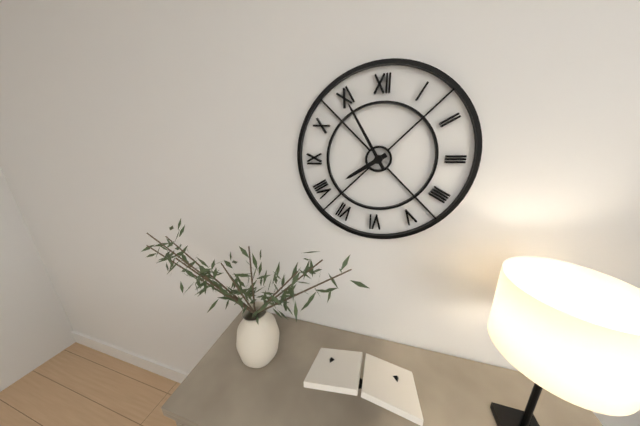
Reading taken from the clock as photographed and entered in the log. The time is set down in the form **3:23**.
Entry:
**7:55**
